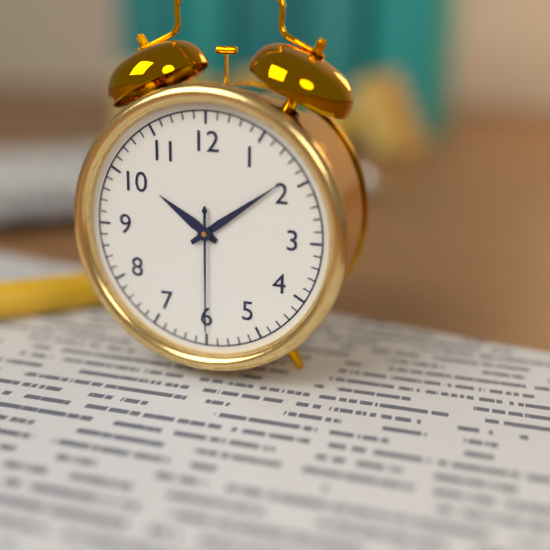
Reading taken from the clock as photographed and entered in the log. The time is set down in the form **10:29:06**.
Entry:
**10:09:30**
